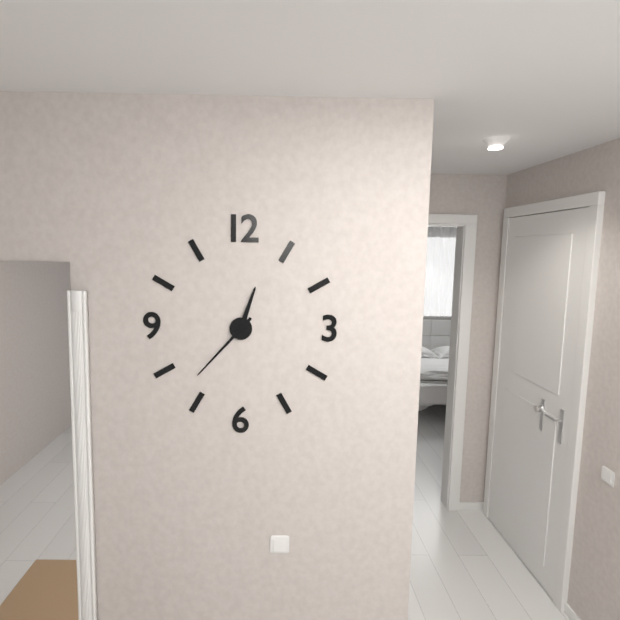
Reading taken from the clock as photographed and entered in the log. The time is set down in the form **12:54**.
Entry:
**12:37**
